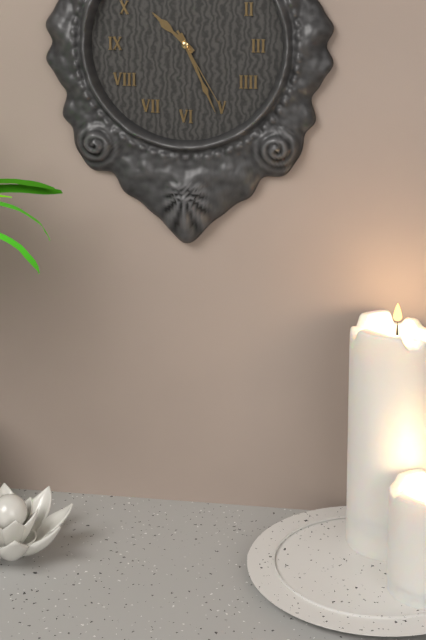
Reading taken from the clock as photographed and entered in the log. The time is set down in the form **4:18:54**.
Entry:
**10:26:25**
